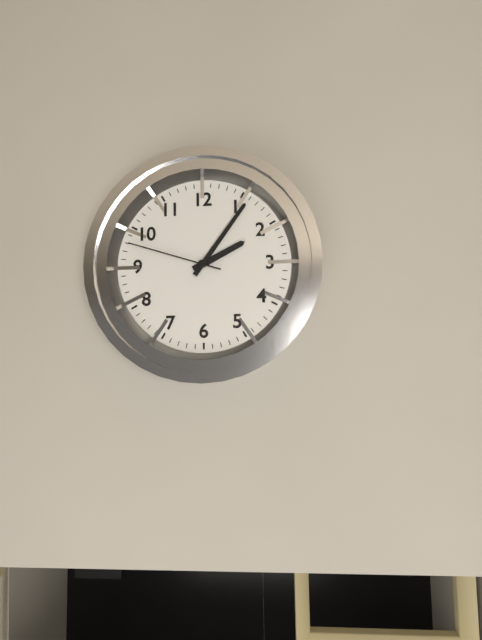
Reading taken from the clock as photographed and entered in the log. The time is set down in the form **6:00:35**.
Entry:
**2:06:48**
